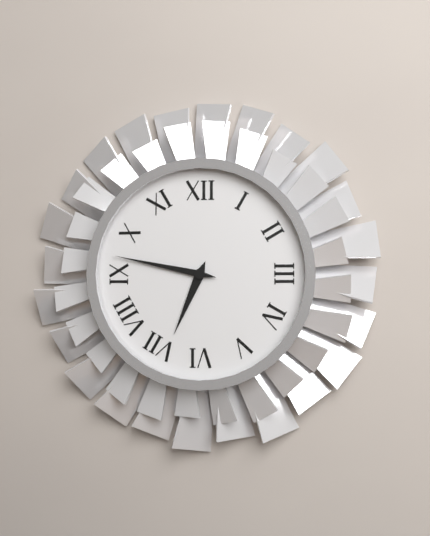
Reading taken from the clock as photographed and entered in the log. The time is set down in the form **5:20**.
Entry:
**6:47**
